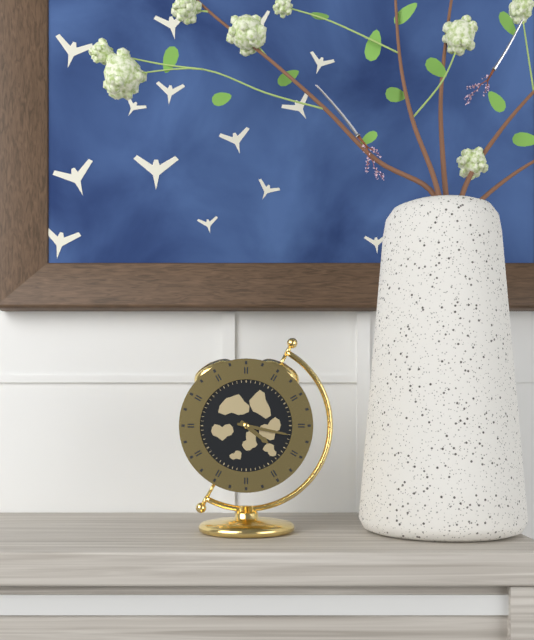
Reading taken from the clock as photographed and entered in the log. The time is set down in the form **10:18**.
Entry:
**4:17**
